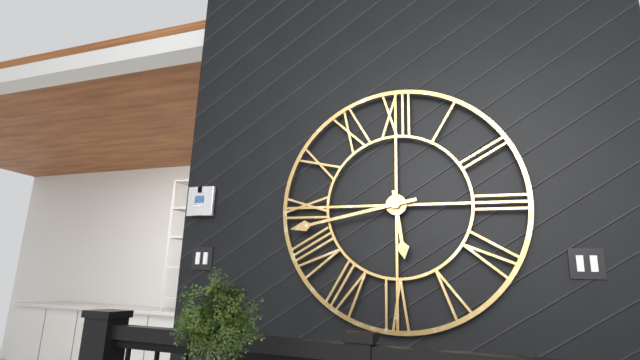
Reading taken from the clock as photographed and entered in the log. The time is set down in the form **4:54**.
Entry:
**5:43**
